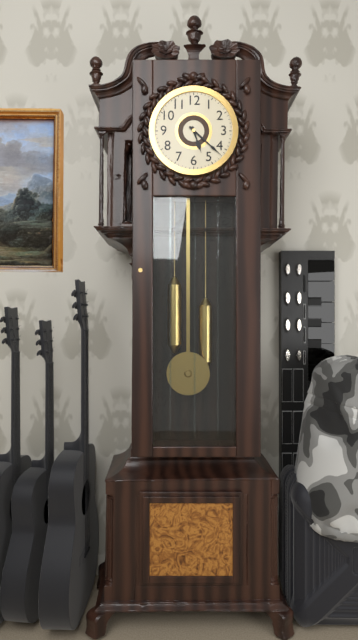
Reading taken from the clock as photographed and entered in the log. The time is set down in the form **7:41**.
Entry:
**5:22**
